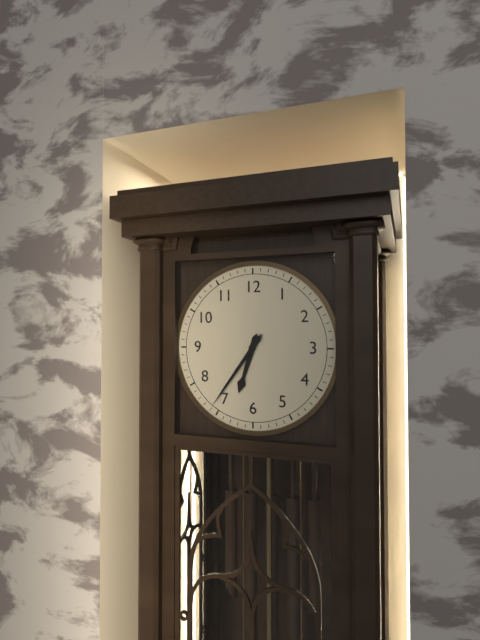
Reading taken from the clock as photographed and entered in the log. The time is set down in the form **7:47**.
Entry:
**6:36**
